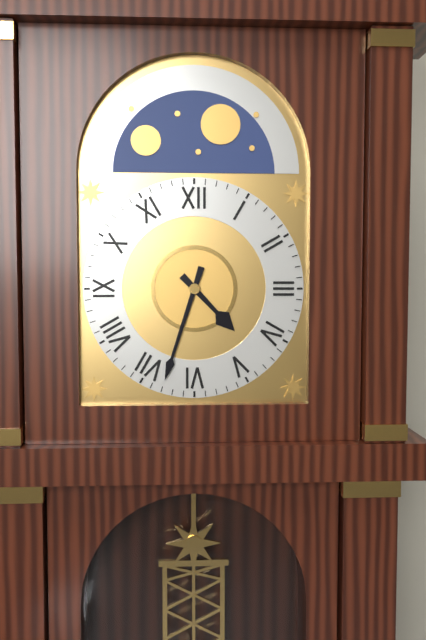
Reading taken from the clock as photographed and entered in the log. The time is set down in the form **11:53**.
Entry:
**4:33**
